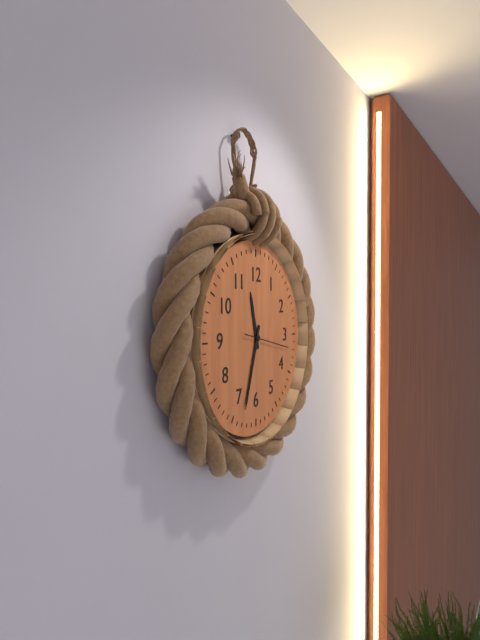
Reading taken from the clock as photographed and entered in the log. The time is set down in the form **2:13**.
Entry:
**11:33**
